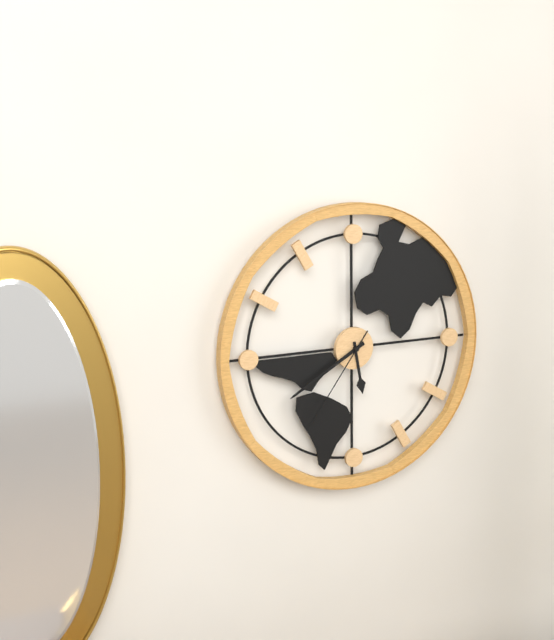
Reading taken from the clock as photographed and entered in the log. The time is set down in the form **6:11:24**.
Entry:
**5:40:36**
